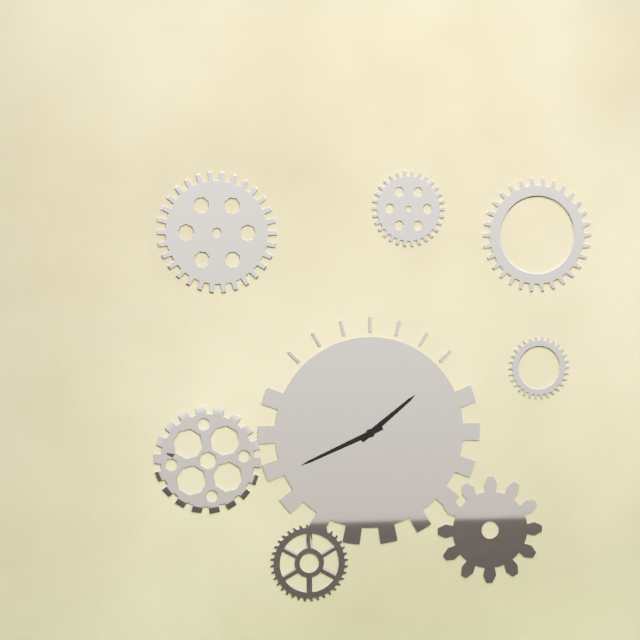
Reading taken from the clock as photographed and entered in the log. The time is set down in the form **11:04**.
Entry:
**1:41**
